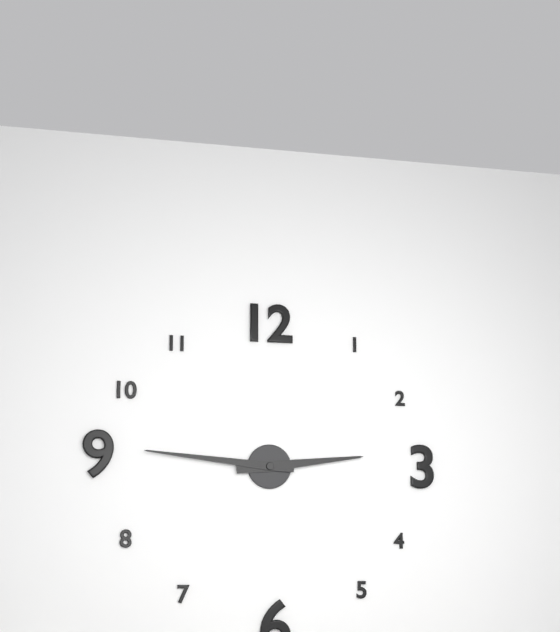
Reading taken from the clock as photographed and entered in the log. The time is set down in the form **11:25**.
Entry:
**2:46**
